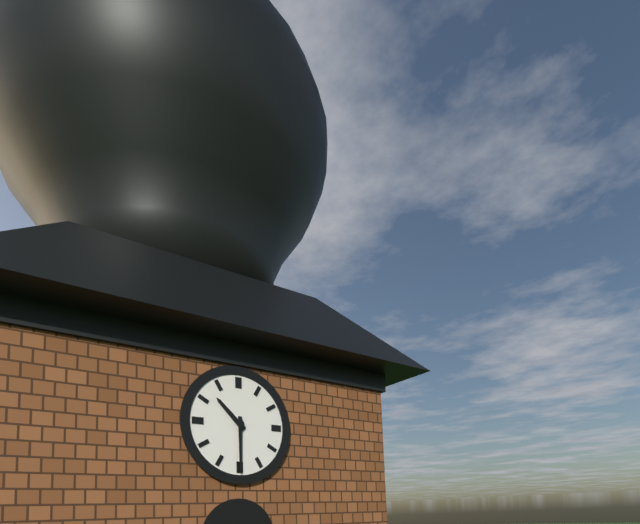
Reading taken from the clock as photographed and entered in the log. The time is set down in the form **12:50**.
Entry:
**10:30**
